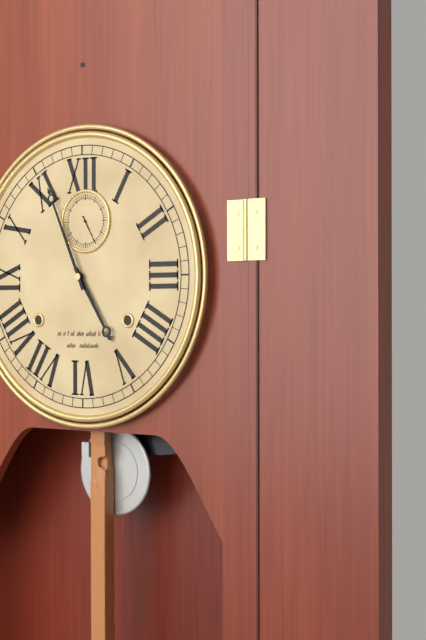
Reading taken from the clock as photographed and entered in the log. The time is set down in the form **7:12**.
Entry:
**4:56**
